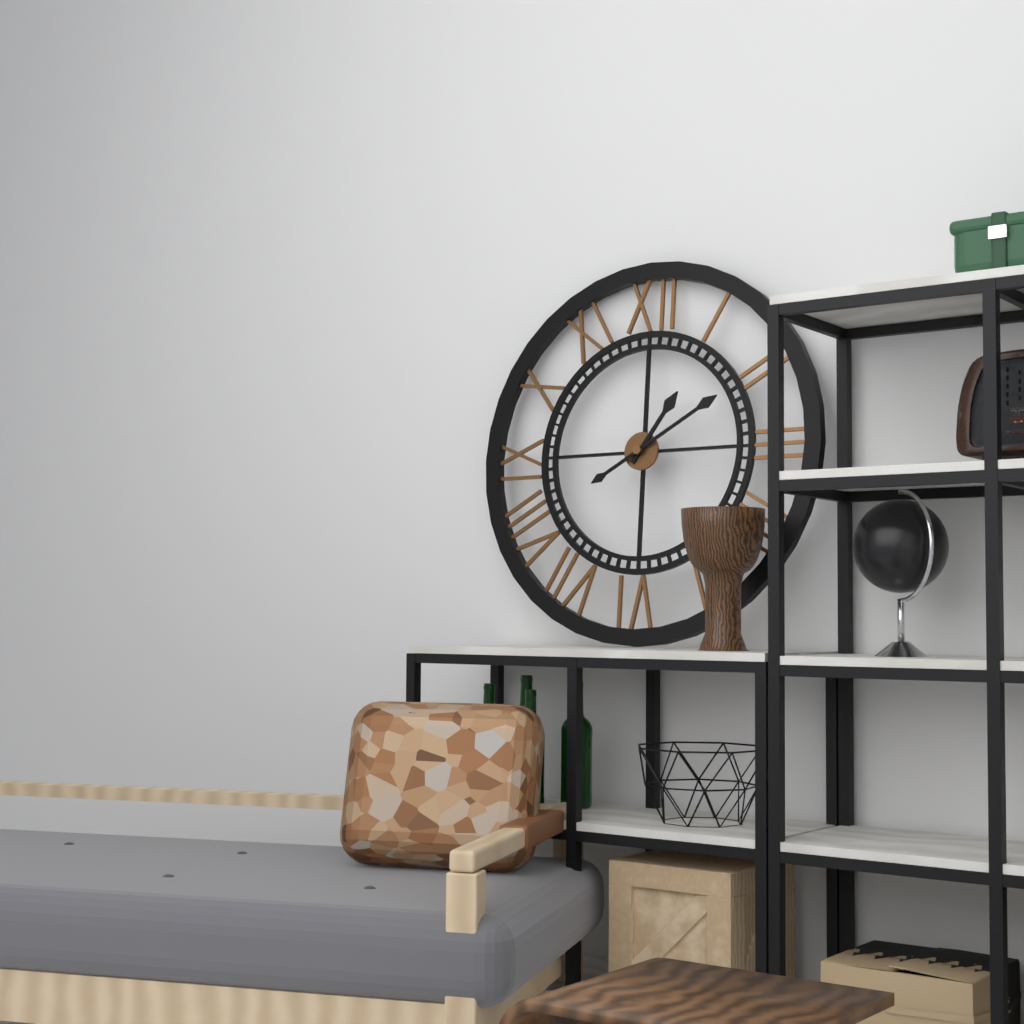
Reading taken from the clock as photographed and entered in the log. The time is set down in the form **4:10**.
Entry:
**1:10**
